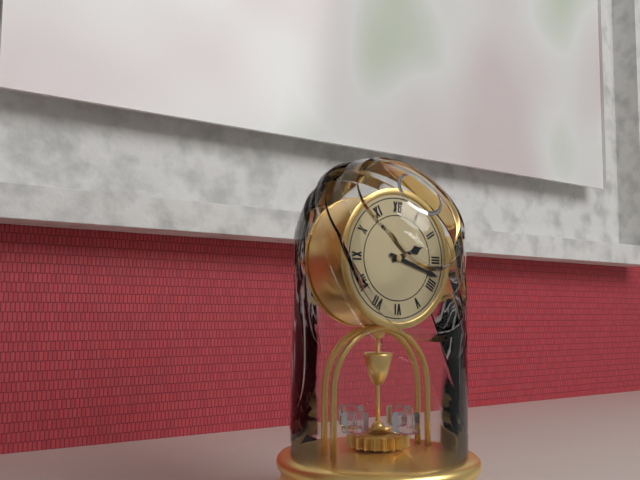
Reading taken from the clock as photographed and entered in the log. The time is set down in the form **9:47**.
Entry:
**2:18**
